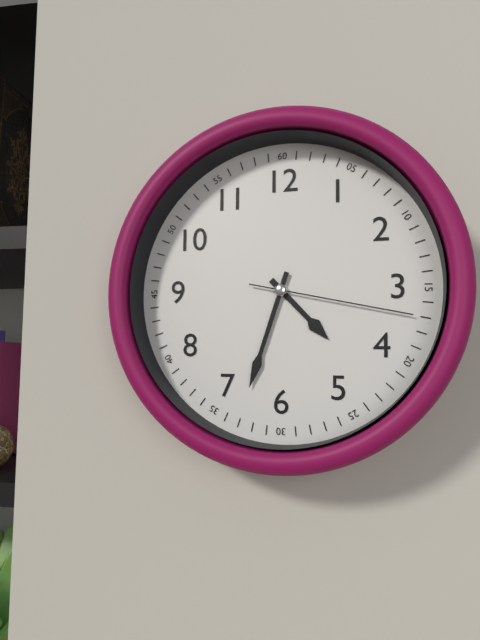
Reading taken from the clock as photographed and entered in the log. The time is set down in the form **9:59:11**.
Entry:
**4:33:17**
